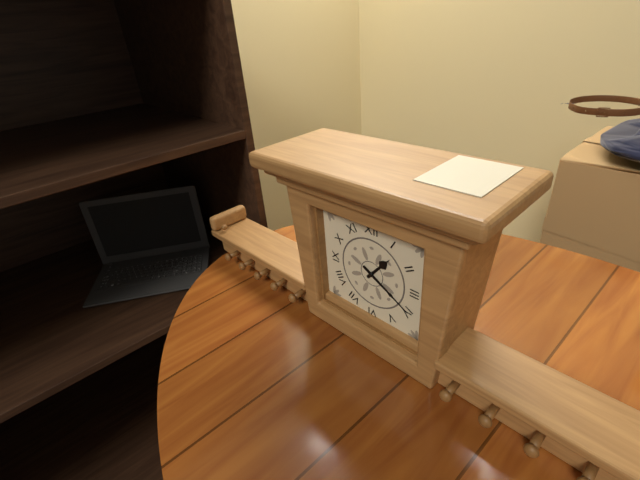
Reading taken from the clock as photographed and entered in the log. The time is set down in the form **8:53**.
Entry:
**1:20**
